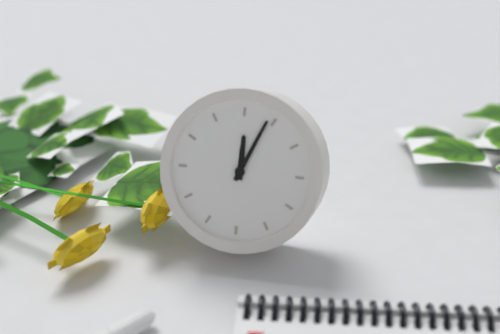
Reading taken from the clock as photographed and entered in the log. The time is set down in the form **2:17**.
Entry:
**12:04**
